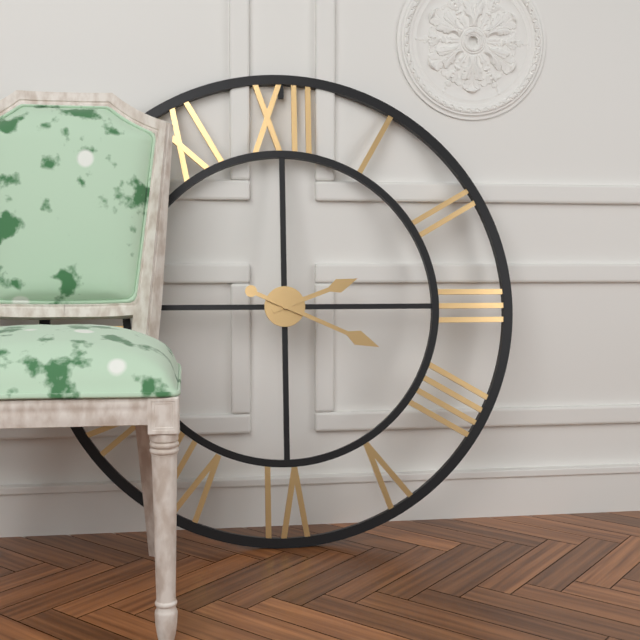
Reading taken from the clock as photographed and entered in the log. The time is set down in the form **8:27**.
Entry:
**2:19**
